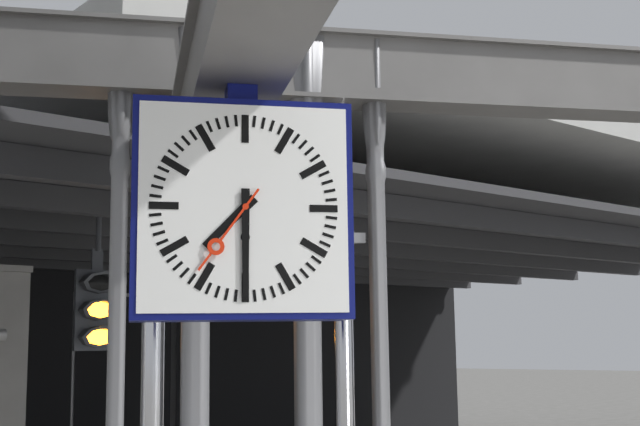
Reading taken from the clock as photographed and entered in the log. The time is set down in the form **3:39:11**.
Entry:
**7:30:36**
